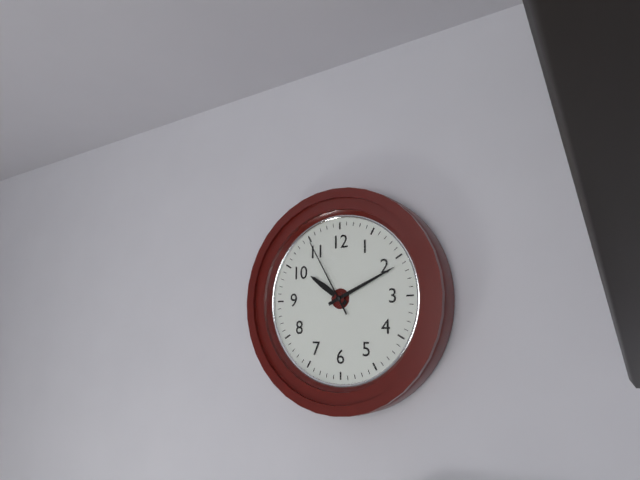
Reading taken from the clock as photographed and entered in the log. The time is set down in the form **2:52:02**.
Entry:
**10:11:55**
